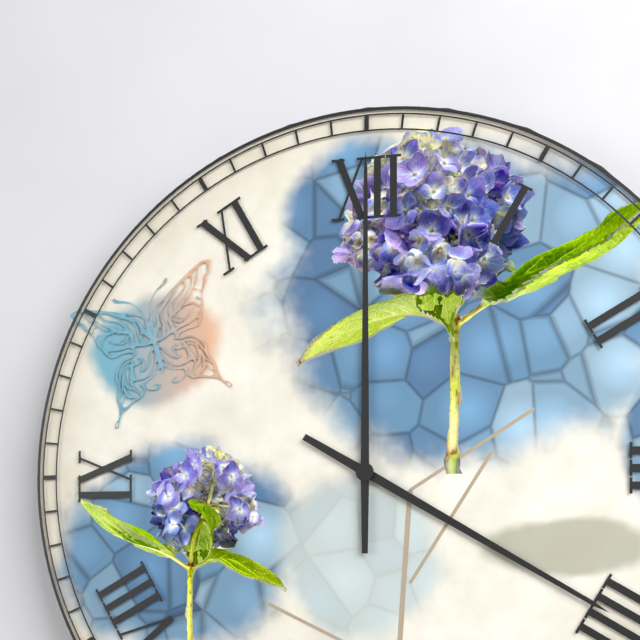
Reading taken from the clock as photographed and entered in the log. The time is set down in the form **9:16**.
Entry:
**4:00**
